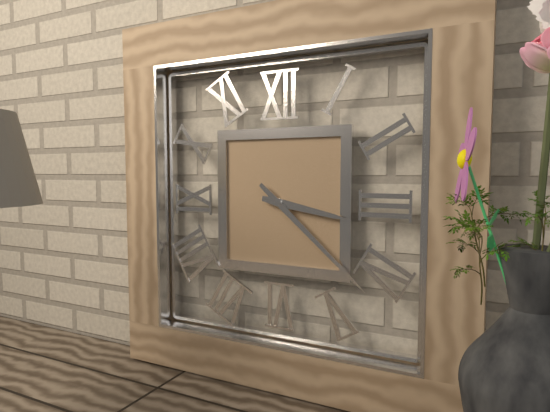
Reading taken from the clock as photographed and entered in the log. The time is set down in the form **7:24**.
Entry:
**3:22**
